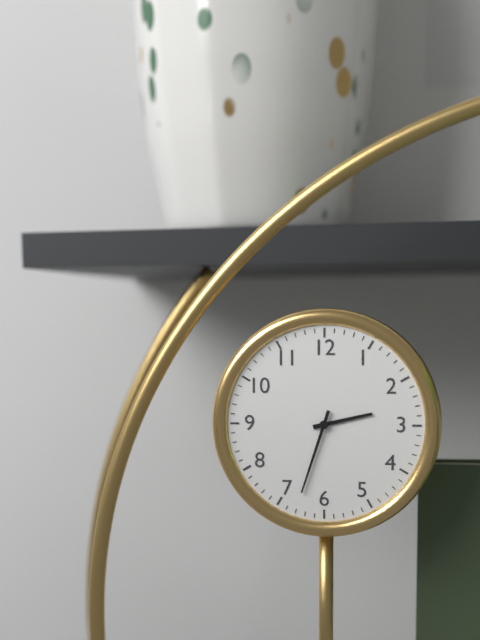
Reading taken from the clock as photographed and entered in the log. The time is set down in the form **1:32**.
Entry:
**2:33**
